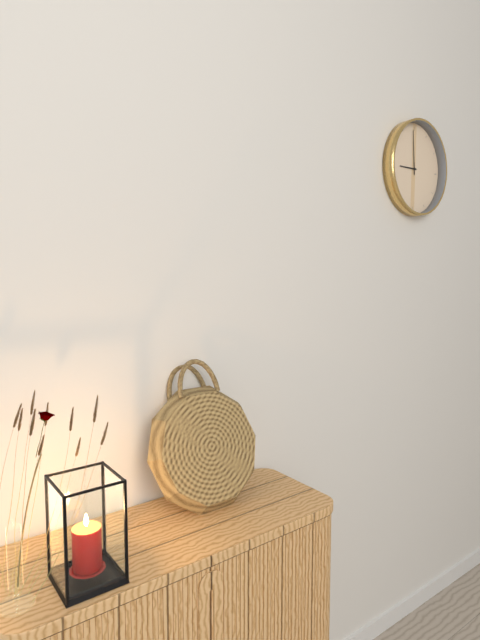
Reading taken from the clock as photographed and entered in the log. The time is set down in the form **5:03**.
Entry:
**8:59**
